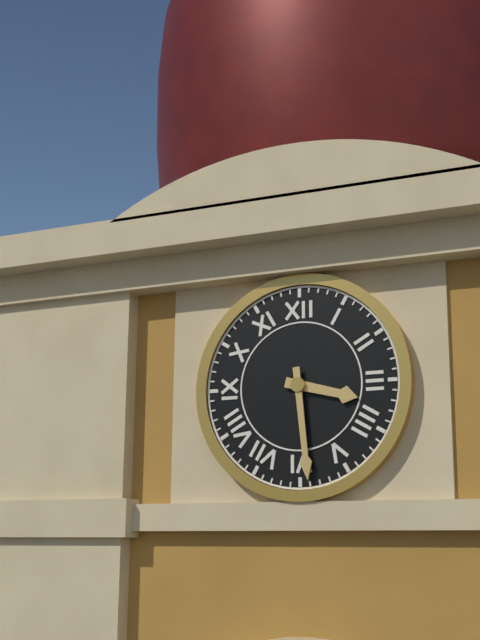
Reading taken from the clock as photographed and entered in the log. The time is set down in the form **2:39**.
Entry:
**3:29**
